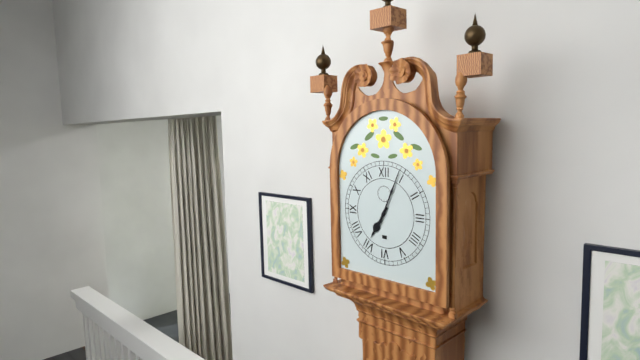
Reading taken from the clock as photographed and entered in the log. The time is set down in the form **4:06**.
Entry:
**7:04**
